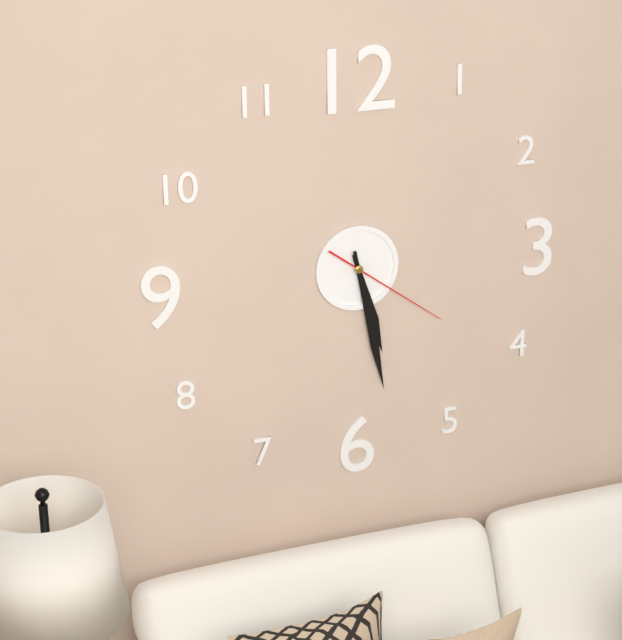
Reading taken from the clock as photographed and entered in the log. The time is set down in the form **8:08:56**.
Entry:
**5:28:21**
